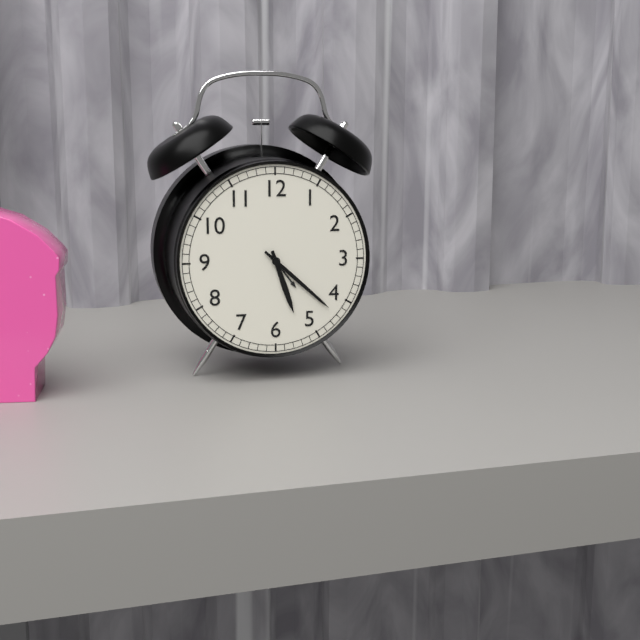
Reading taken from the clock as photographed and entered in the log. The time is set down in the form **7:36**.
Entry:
**5:22**
